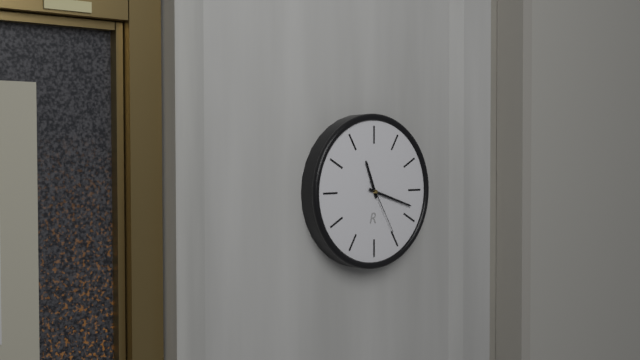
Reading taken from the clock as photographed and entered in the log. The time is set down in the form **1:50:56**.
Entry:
**11:18:25**
